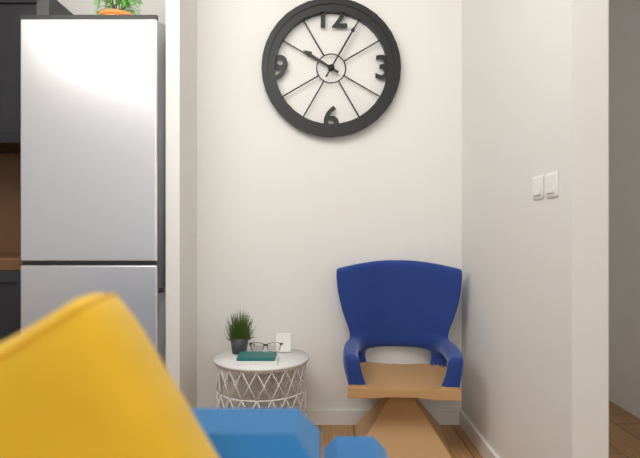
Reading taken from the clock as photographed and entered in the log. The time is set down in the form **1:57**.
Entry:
**10:05**
